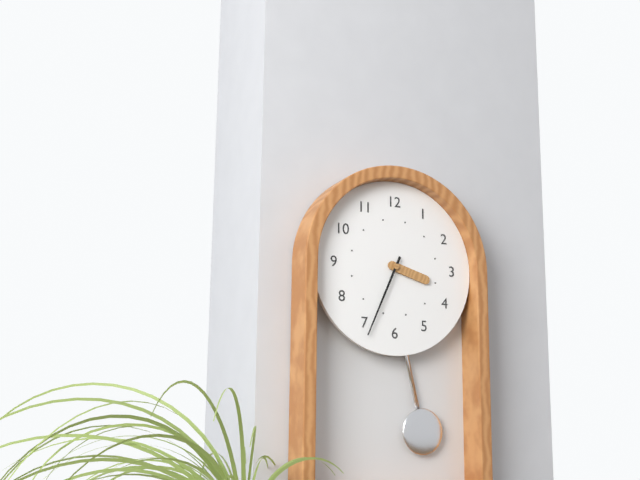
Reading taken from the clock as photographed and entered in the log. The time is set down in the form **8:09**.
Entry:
**3:34**
